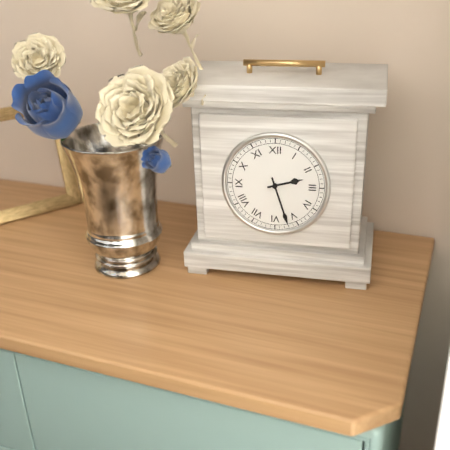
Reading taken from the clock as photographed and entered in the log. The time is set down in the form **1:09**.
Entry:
**2:27**
